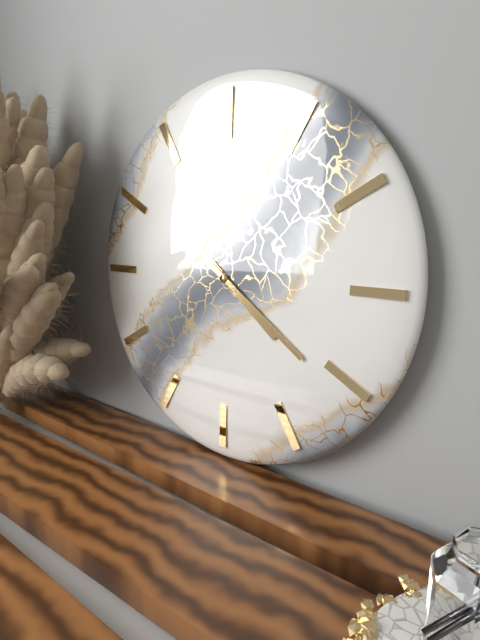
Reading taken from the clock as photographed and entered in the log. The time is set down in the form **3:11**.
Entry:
**4:21**
